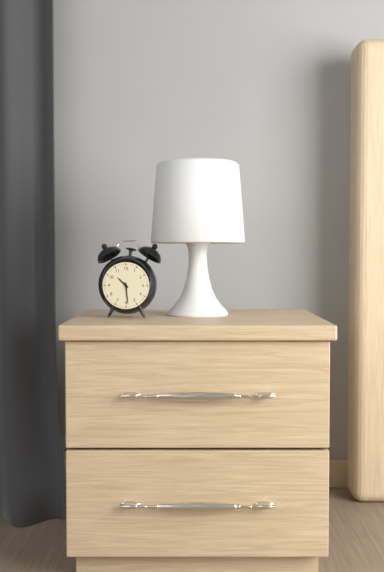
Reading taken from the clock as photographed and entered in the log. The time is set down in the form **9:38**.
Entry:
**10:29**
